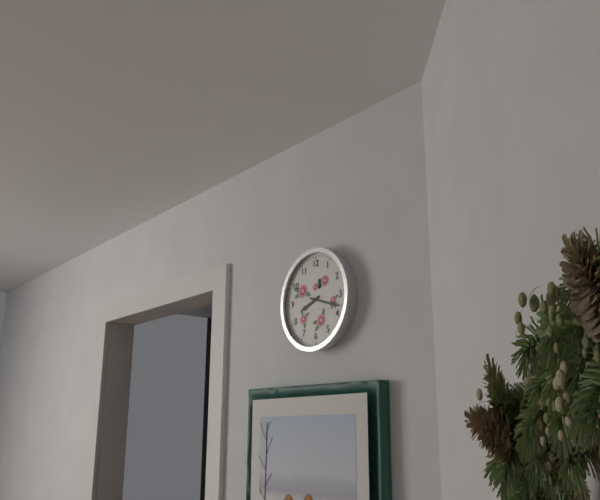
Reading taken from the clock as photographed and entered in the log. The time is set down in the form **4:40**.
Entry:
**8:18**
